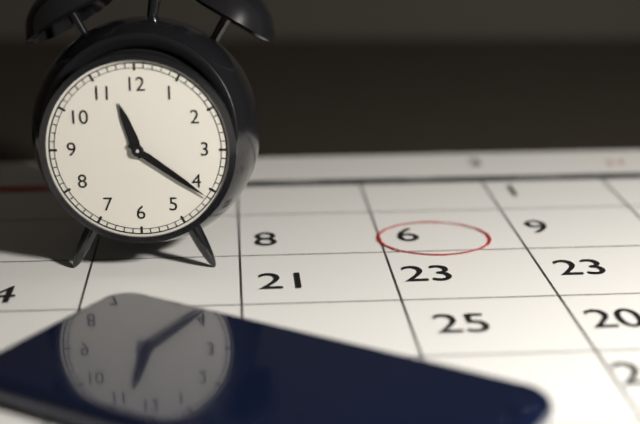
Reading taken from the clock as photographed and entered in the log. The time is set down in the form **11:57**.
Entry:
**11:21**
